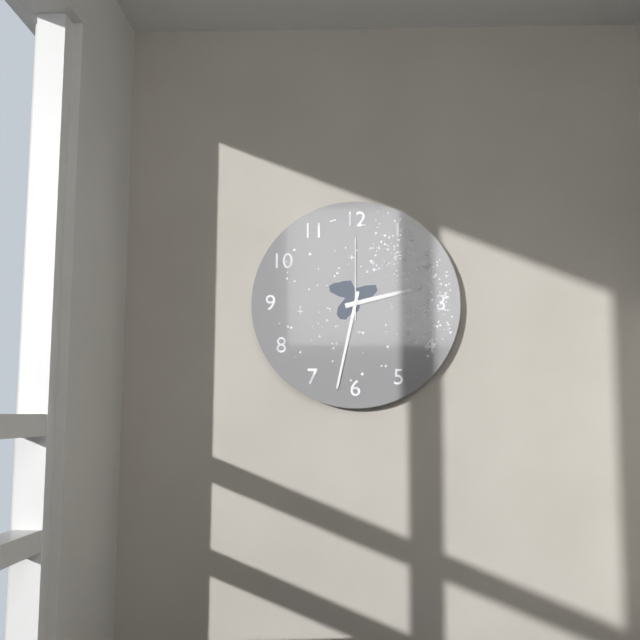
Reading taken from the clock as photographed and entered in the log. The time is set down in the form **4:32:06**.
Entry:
**2:32:00**
